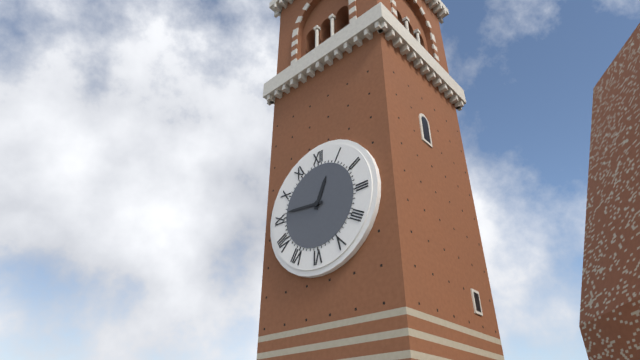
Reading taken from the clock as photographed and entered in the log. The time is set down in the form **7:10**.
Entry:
**12:46**
